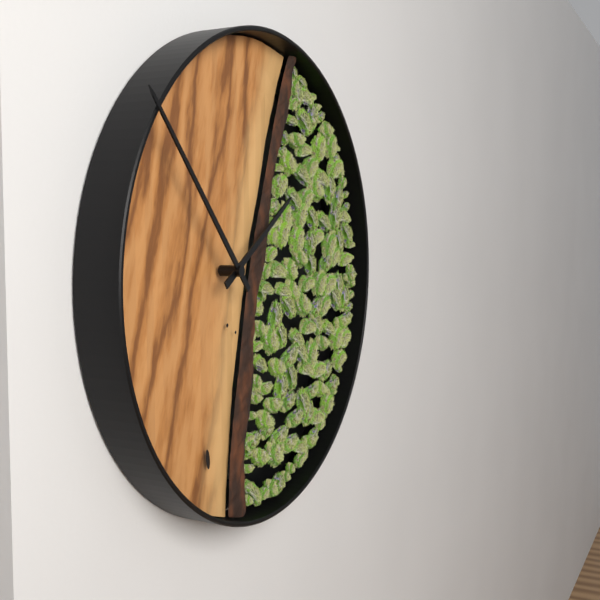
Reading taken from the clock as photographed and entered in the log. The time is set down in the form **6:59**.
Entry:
**1:53**
